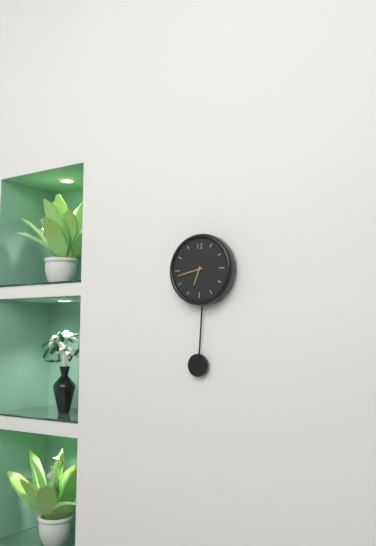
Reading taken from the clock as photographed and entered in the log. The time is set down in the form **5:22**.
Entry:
**6:43**
